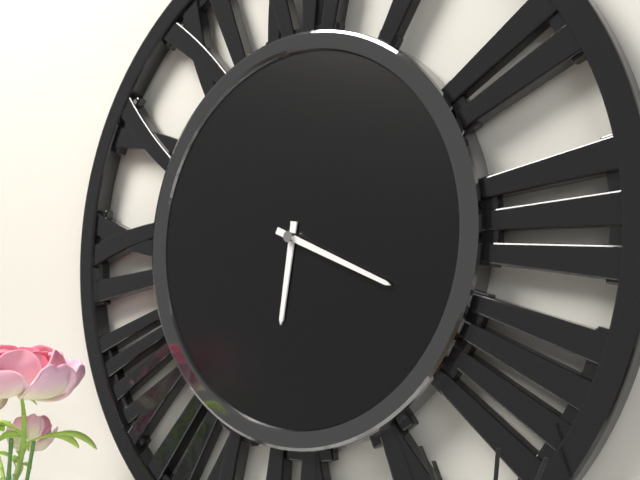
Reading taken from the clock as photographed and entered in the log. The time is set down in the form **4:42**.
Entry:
**6:19**
